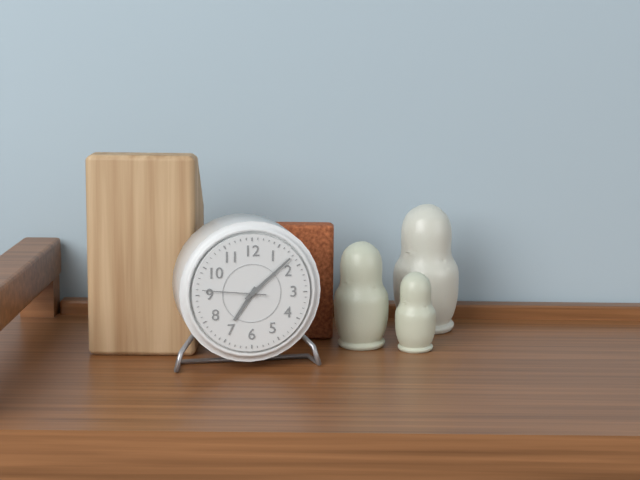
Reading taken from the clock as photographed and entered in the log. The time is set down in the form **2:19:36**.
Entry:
**7:08:46**
